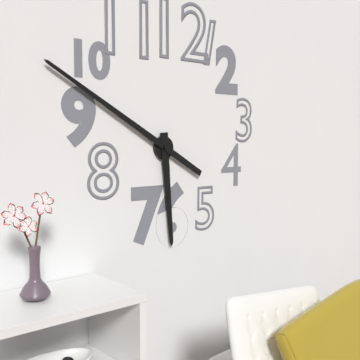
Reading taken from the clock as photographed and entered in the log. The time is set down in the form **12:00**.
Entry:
**5:50**
